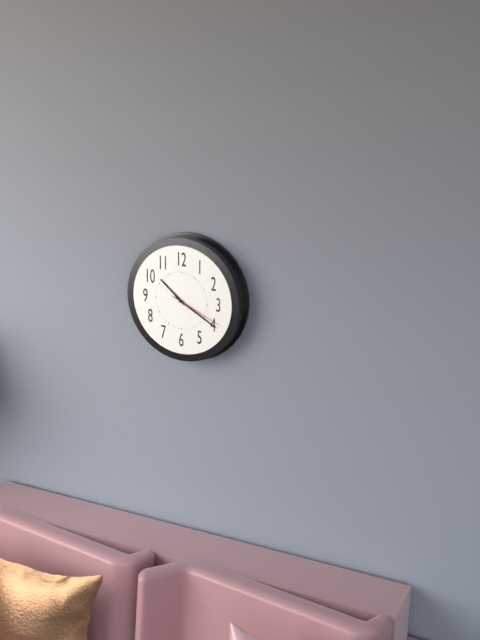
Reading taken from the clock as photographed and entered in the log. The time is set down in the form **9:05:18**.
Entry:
**10:20:19**
